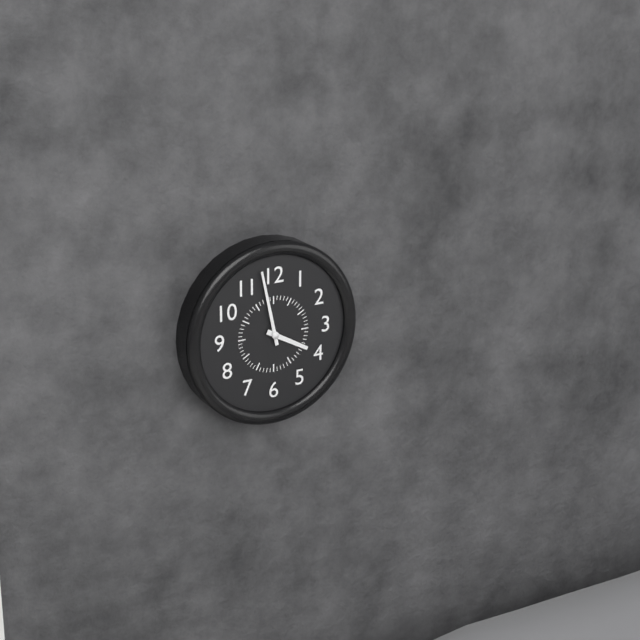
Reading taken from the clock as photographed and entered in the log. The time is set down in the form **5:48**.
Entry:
**3:58**
